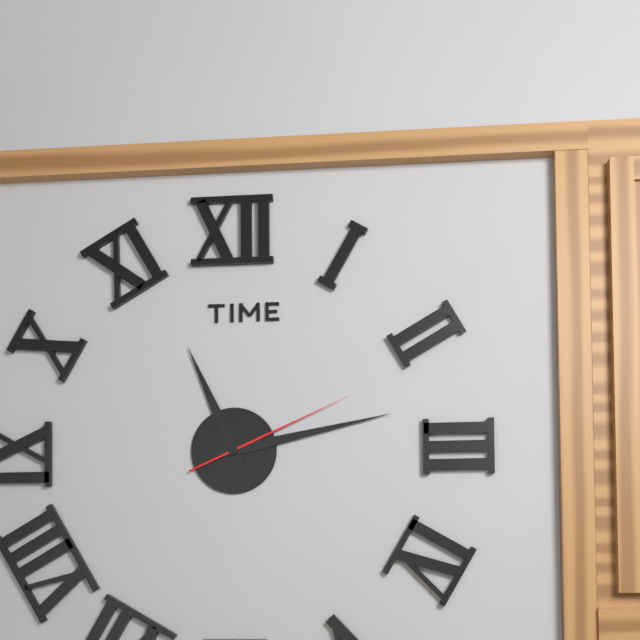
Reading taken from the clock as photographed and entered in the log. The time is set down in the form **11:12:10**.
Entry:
**11:13:11**
